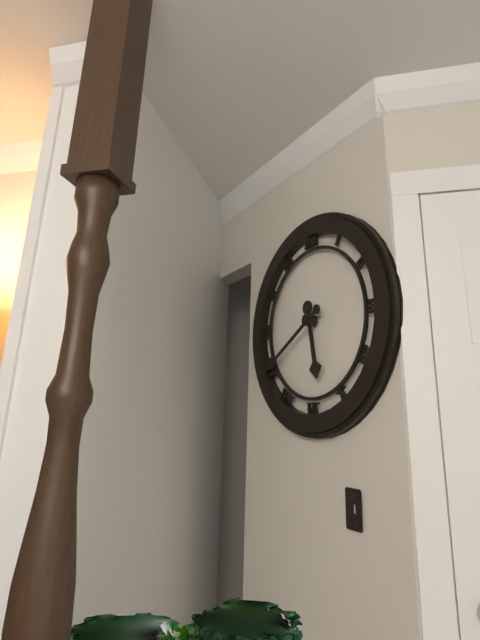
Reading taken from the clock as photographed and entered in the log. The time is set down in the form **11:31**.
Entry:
**5:40**
